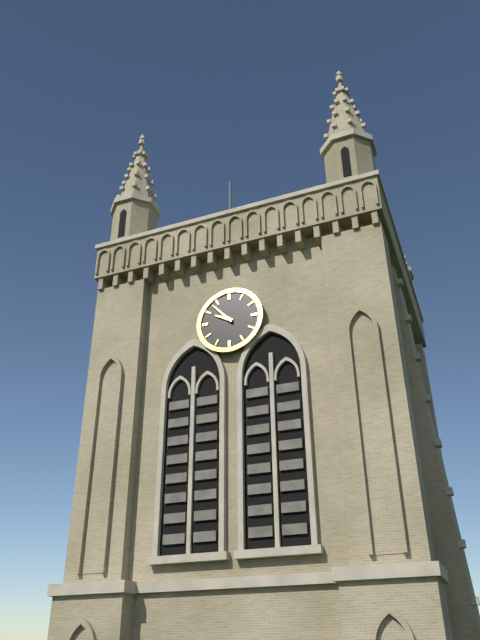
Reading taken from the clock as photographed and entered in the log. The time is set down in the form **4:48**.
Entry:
**9:53**
